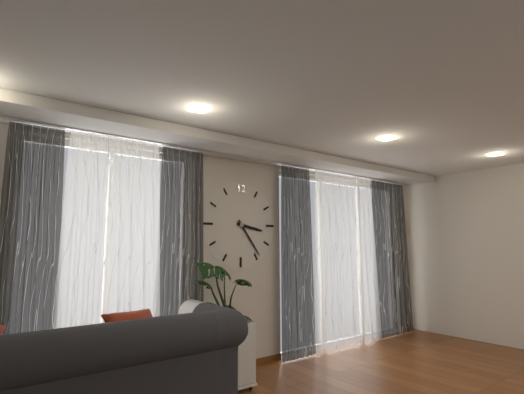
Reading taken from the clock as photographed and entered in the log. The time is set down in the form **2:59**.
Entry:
**3:24**
